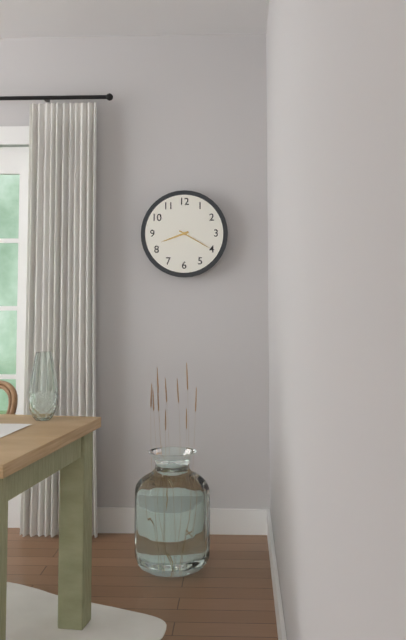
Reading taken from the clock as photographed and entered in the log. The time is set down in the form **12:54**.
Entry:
**8:20**
